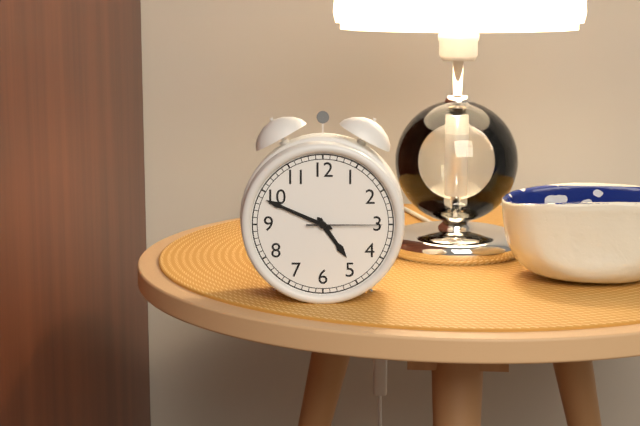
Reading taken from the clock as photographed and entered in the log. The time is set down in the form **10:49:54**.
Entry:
**4:49:15**
